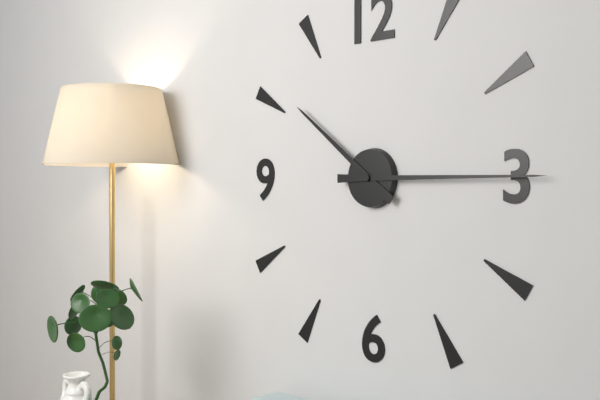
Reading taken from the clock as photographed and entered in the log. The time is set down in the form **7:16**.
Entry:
**10:15**
